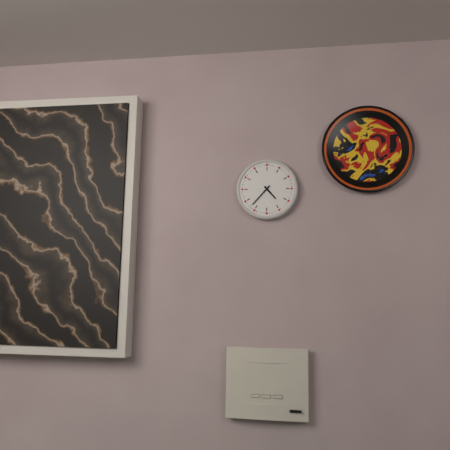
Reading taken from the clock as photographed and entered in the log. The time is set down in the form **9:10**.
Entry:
**4:37**
